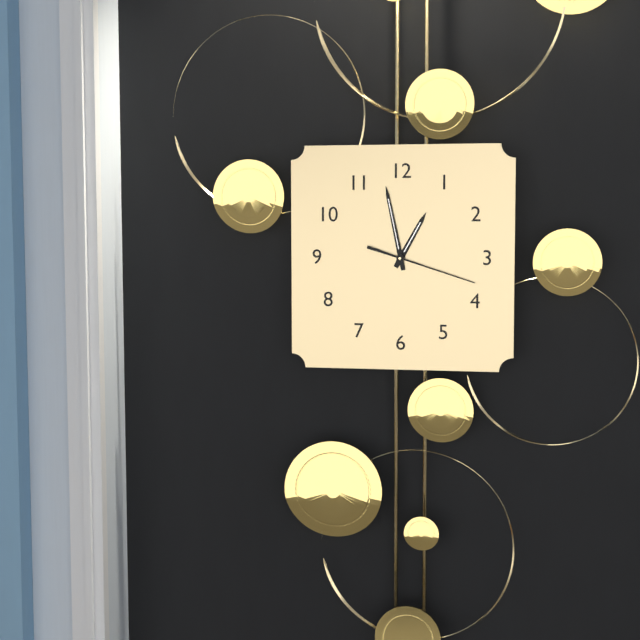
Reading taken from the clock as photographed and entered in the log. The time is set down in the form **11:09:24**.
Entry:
**12:58:18**
